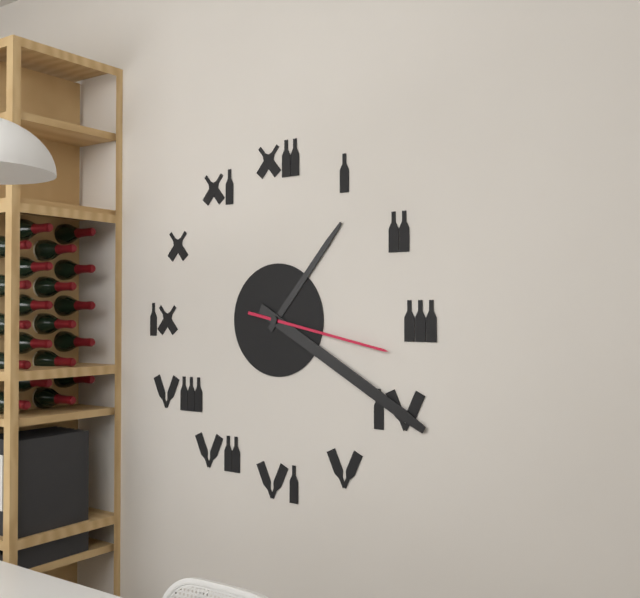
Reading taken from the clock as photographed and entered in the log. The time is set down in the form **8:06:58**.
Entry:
**1:20:17**
